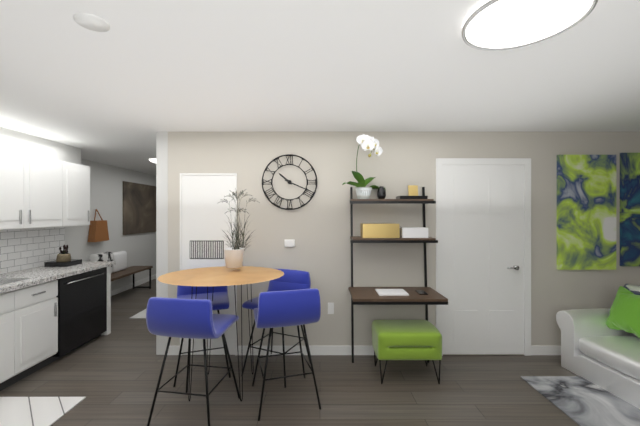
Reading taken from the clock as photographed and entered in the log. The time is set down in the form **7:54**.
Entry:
**10:19**
